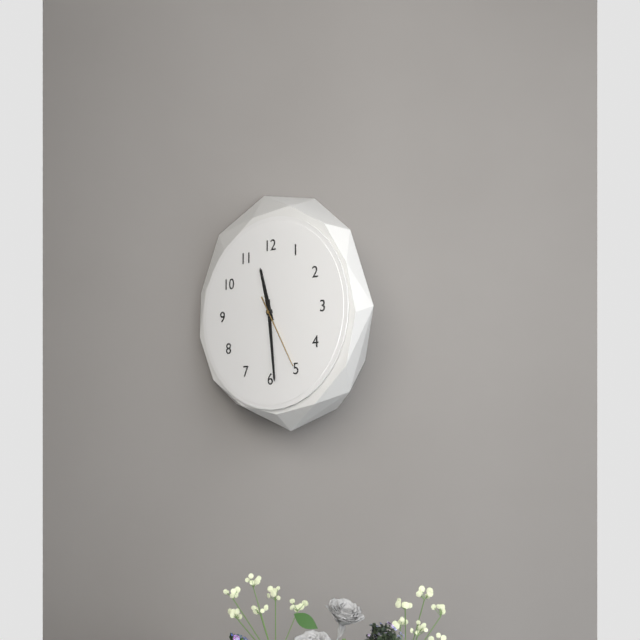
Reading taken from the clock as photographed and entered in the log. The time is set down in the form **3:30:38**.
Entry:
**11:29:25**
